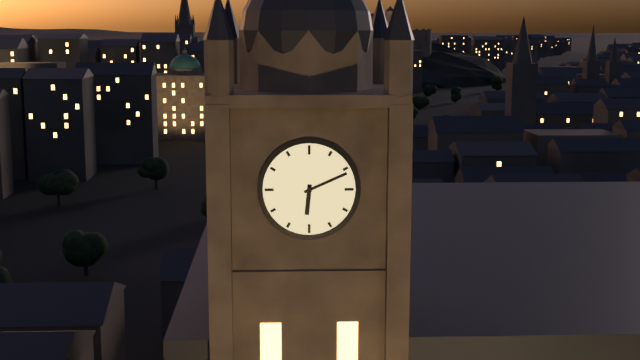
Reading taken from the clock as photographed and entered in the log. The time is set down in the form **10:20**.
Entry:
**6:11**
